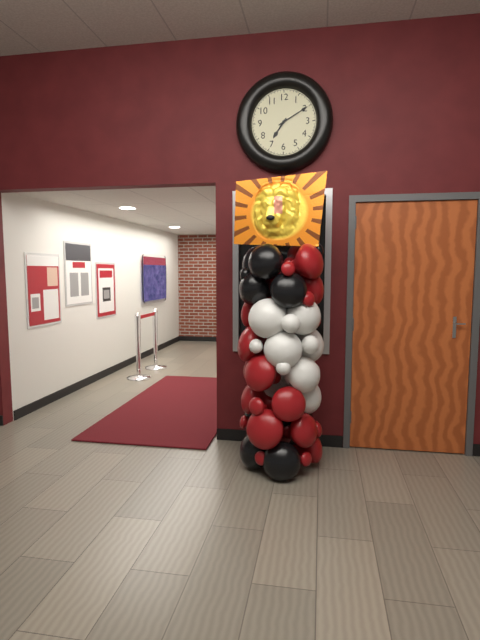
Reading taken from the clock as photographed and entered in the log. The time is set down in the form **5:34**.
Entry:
**7:10**
